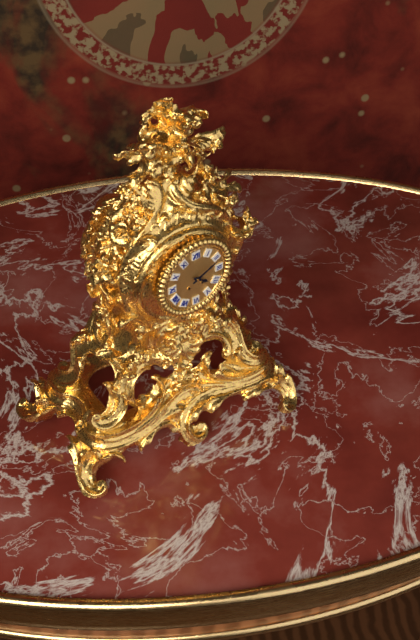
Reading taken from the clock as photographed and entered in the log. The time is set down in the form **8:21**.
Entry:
**4:11**
